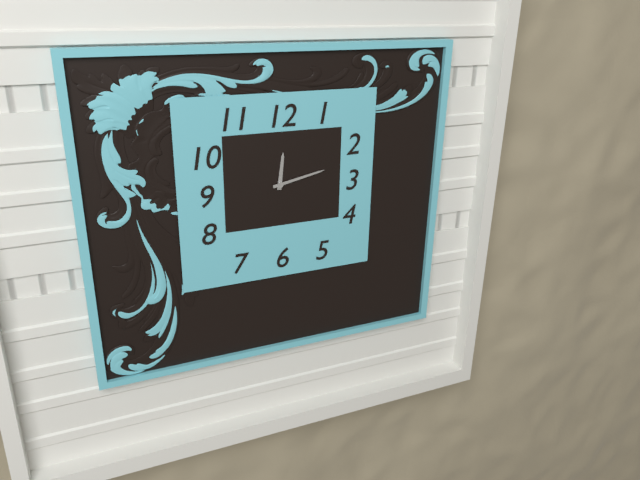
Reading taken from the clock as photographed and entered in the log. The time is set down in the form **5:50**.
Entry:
**12:13**
